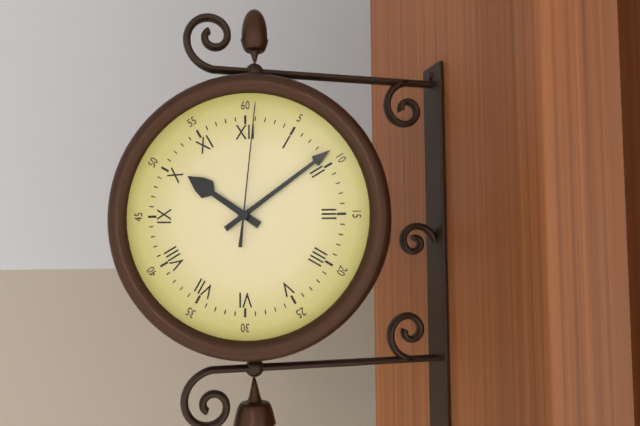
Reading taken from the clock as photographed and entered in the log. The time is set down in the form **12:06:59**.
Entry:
**10:09:01**
